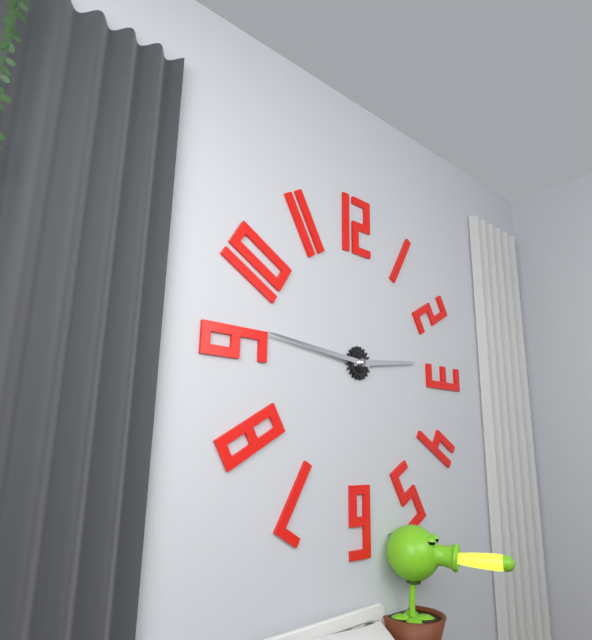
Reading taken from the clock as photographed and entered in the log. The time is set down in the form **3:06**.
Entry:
**2:46**
